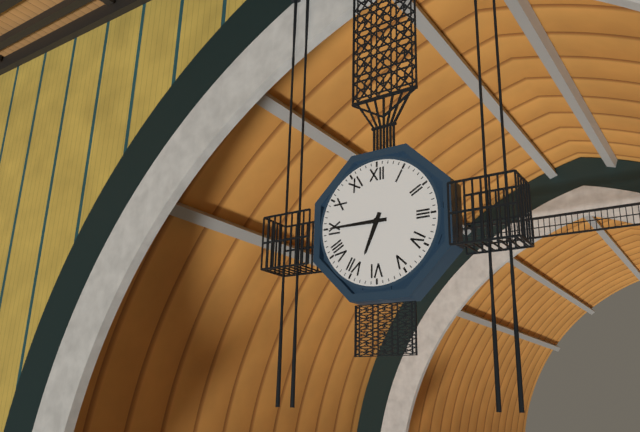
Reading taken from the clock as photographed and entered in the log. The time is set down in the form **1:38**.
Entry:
**6:45**
